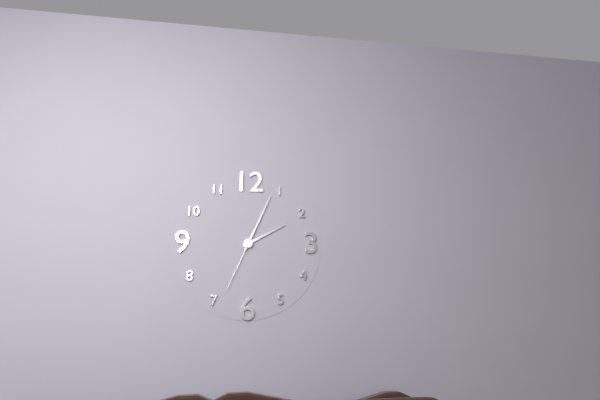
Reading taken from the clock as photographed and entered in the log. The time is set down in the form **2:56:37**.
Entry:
**2:04:34**
